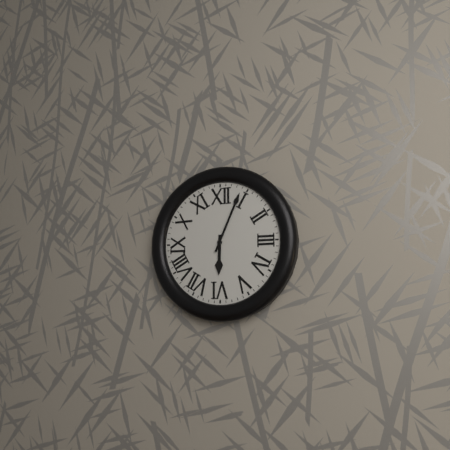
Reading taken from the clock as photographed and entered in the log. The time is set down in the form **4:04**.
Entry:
**6:04**
